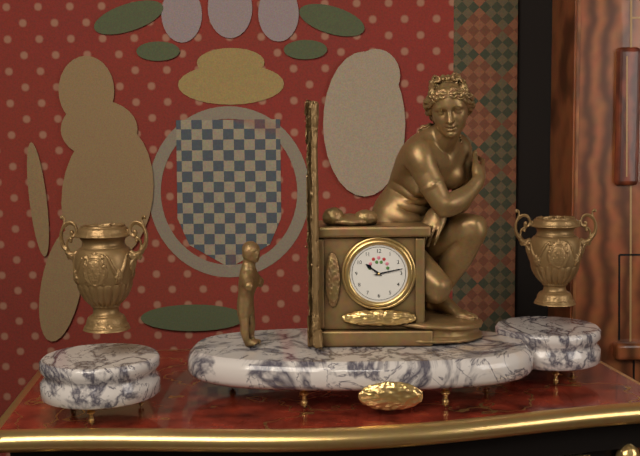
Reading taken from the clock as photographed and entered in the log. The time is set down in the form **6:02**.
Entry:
**10:13**
